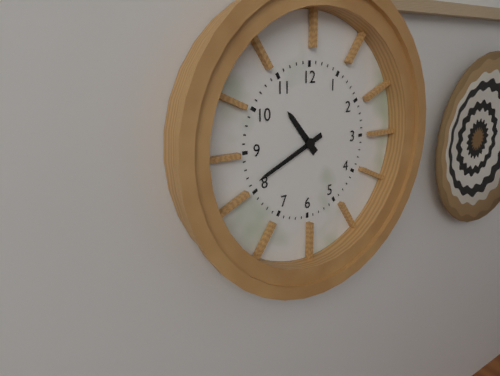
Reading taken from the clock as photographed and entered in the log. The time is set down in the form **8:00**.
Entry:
**10:41**
